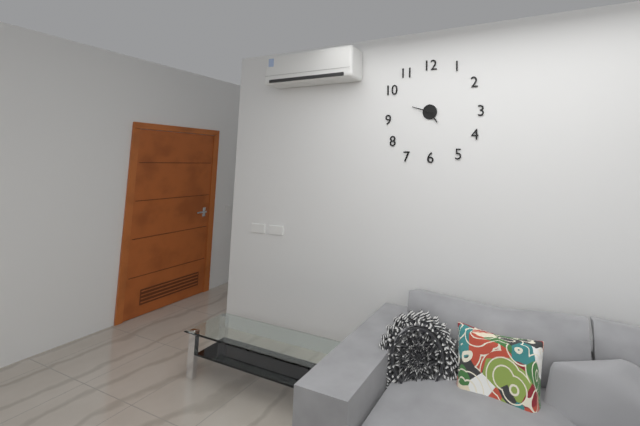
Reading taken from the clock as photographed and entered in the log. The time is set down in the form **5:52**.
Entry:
**4:48**
